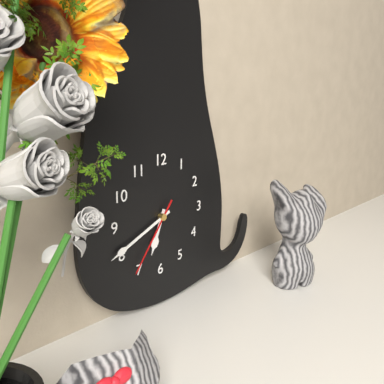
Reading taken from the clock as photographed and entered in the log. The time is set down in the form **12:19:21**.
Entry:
**6:41:36**
